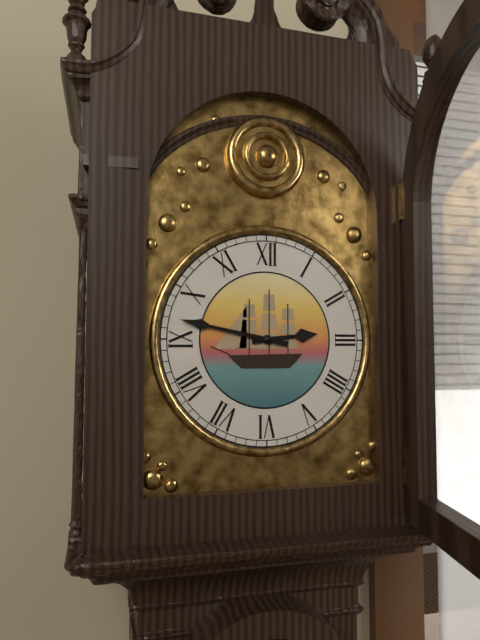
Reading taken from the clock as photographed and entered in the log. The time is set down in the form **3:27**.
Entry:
**2:47**
